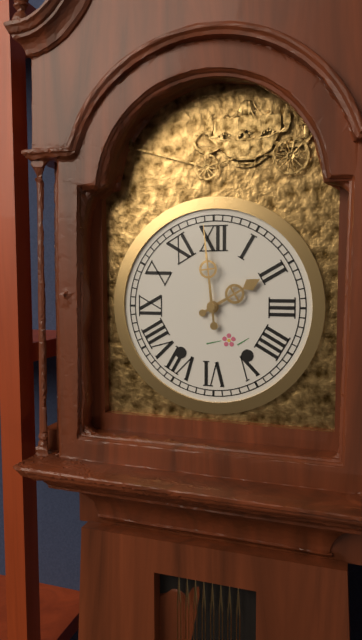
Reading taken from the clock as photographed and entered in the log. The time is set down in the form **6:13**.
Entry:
**1:59**
